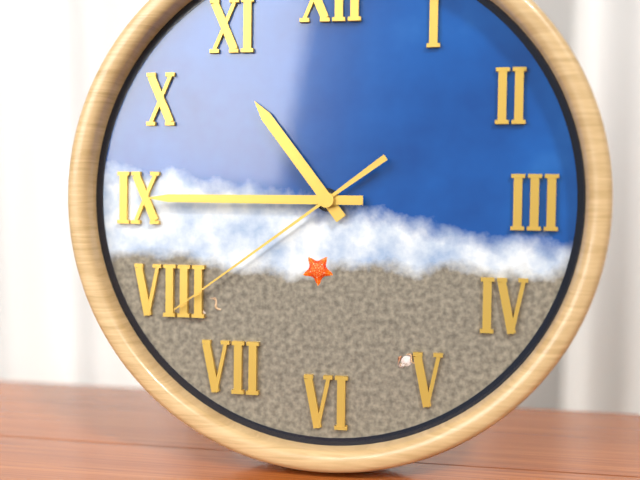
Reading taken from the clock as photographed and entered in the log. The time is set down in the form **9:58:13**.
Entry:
**10:45:39**
